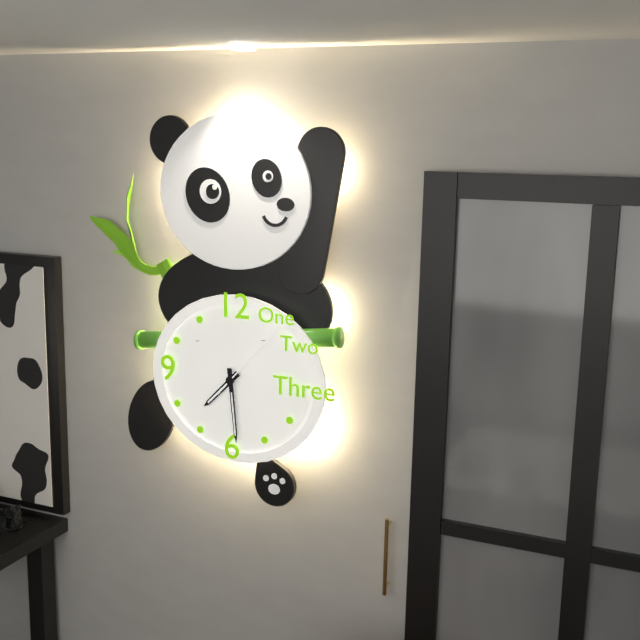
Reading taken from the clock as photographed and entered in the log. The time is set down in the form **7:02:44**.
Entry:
**7:29:07**
